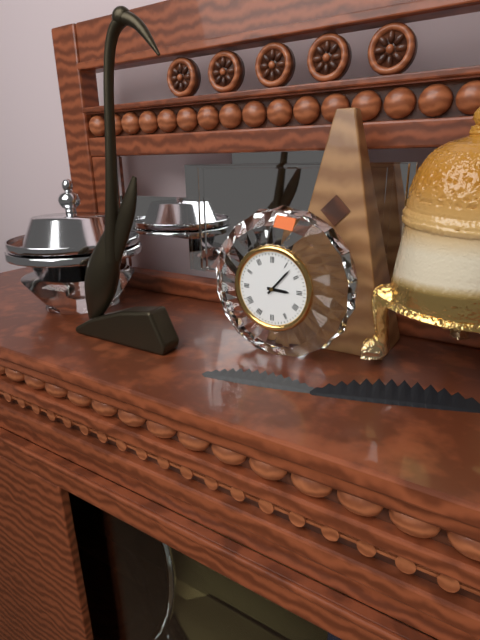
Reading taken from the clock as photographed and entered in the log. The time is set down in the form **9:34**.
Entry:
**3:07**
